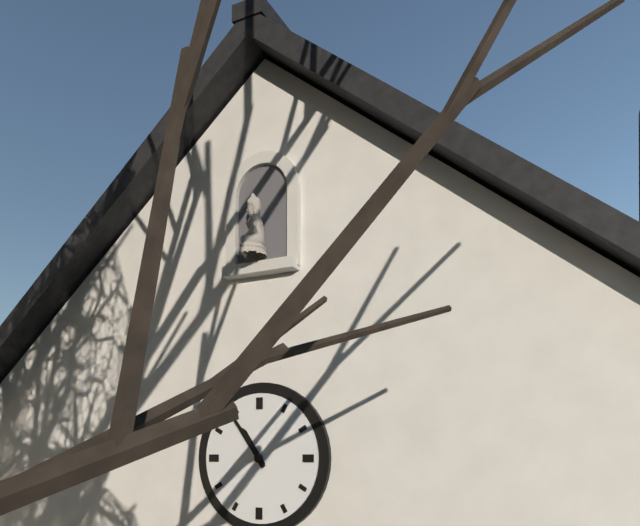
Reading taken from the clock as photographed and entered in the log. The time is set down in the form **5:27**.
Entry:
**10:54**
